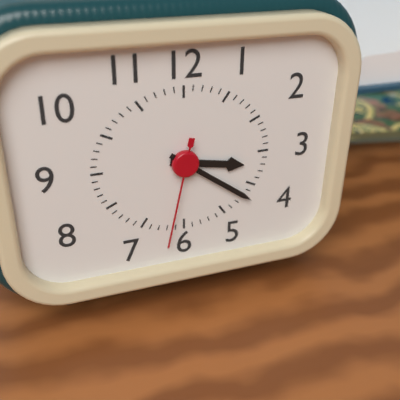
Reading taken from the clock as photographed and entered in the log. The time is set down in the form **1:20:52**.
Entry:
**3:21:32**
